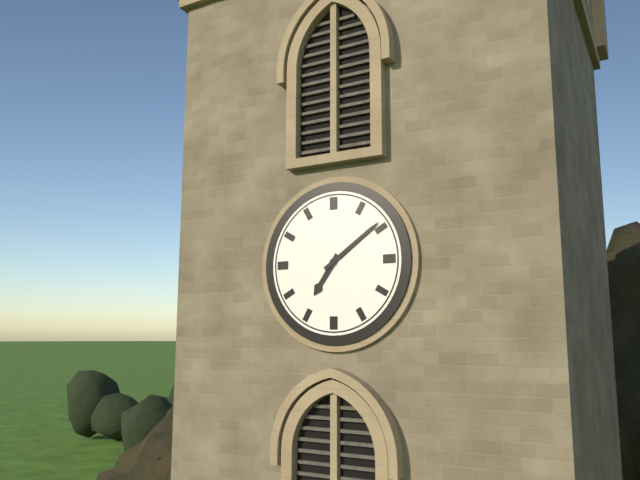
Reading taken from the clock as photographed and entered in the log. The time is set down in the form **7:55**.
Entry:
**7:09**
